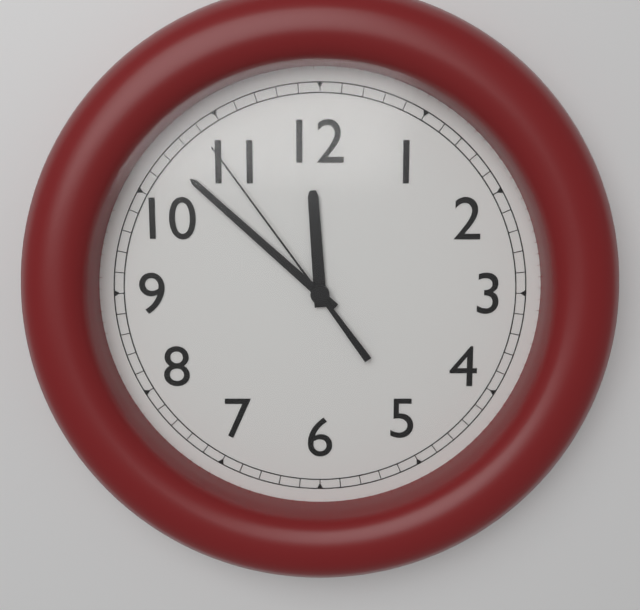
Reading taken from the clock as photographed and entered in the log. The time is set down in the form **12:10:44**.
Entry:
**11:52:54**
